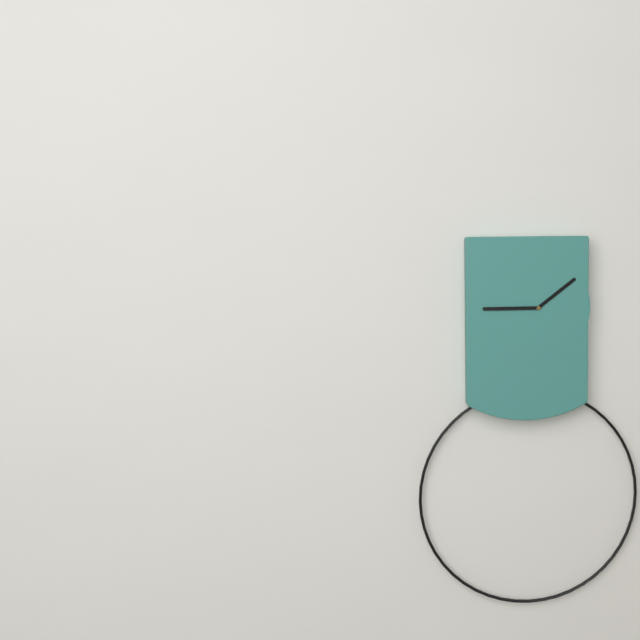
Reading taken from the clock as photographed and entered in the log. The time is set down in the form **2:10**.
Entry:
**1:45**
